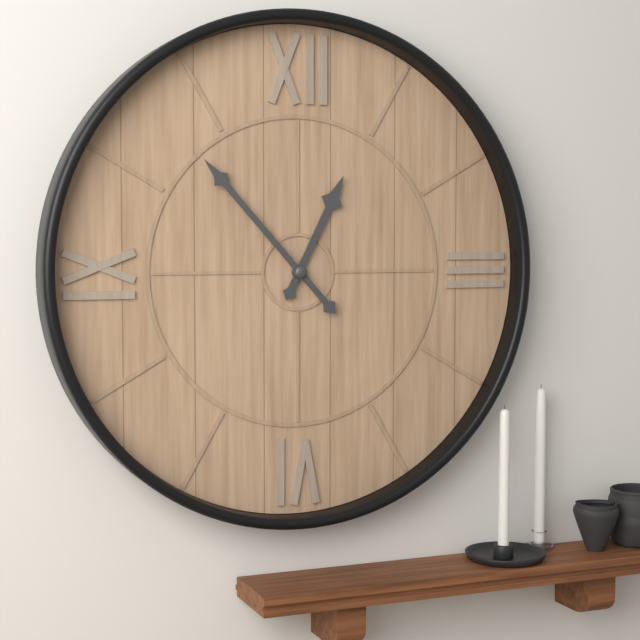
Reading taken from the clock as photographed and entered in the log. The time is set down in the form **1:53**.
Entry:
**12:53**
